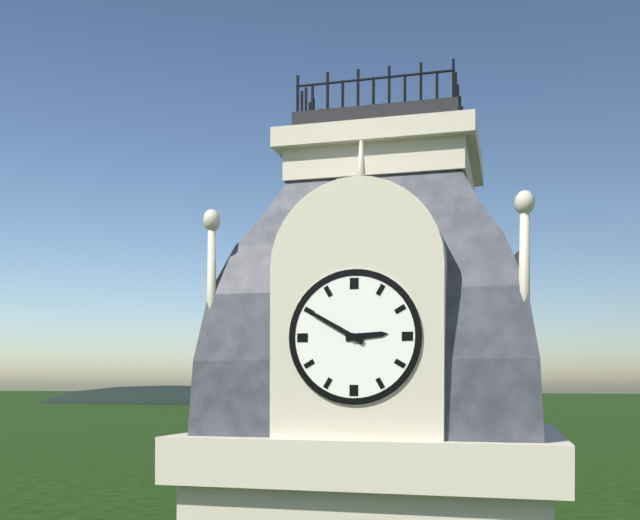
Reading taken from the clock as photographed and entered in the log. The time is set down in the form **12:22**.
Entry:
**2:50**
